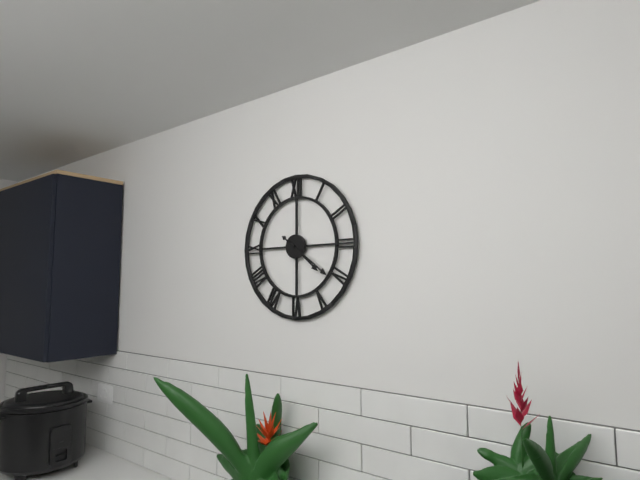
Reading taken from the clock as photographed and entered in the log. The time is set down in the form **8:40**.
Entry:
**4:21**
